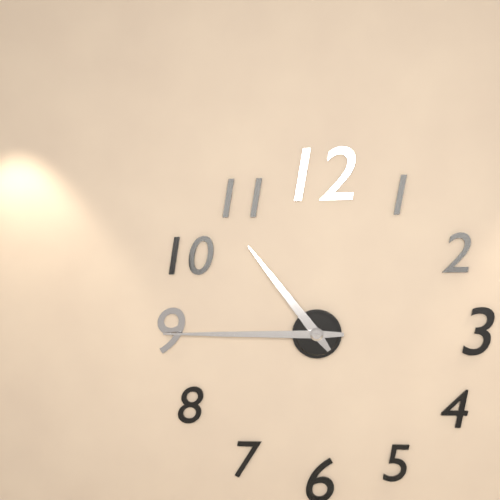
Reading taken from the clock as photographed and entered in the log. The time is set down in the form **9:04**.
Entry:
**10:45**
